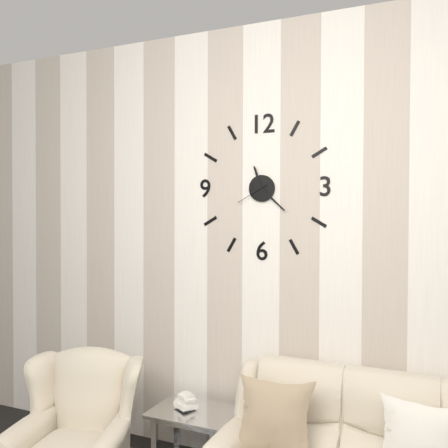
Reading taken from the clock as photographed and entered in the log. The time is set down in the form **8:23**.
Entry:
**11:22**
